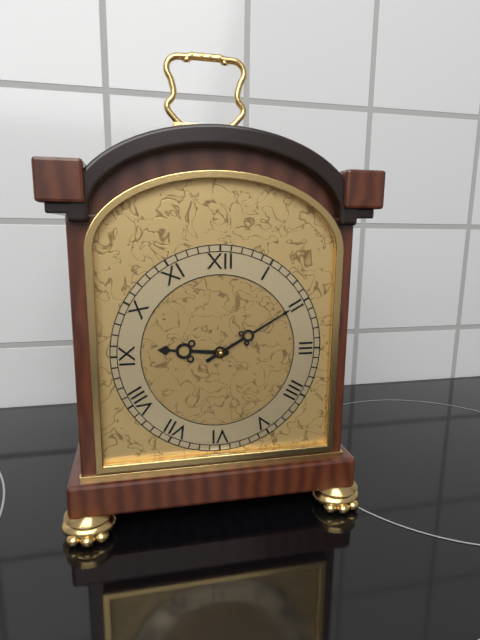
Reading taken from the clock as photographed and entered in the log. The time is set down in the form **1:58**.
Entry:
**9:10**
